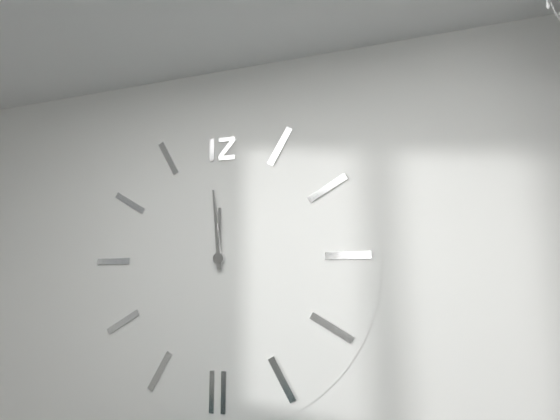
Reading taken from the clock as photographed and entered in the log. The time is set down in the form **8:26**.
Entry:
**11:59**
